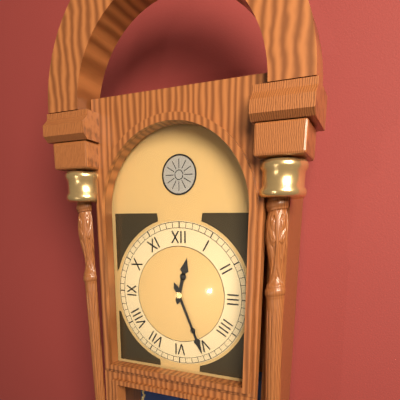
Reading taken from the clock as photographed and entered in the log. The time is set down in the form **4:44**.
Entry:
**12:26**
